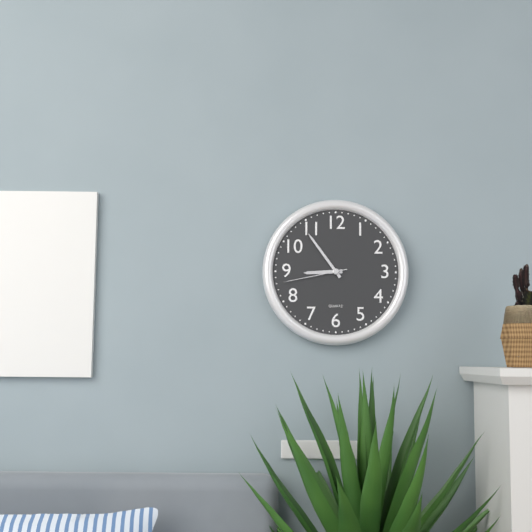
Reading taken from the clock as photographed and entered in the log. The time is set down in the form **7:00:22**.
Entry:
**8:54:43**
